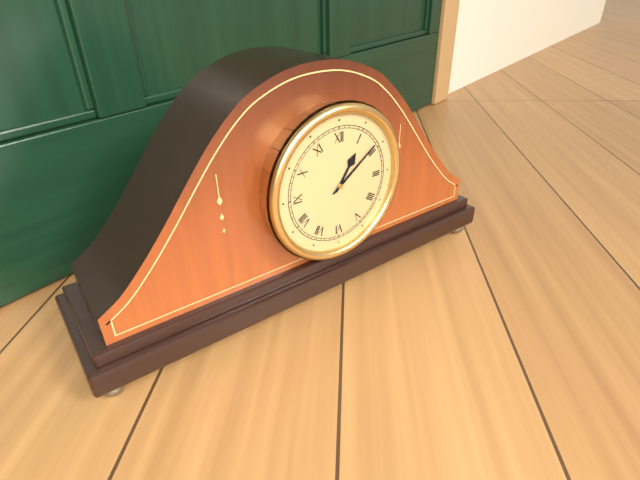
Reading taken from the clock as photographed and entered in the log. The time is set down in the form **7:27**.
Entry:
**1:09**
